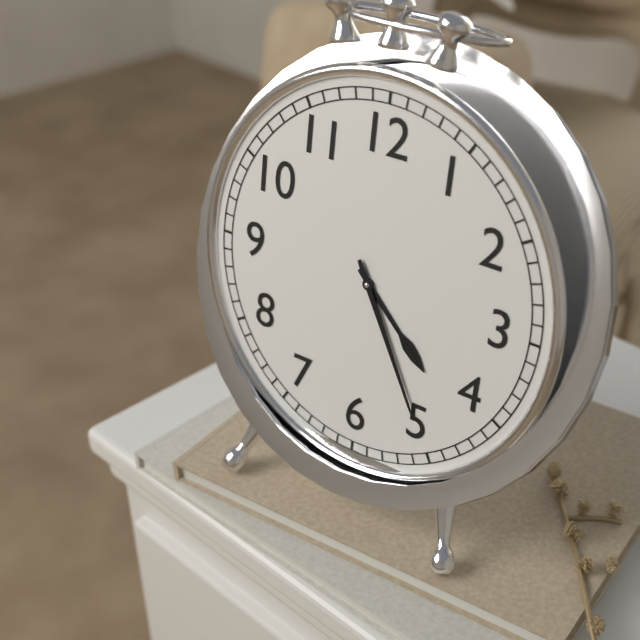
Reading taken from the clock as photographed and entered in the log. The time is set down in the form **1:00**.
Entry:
**4:25**
